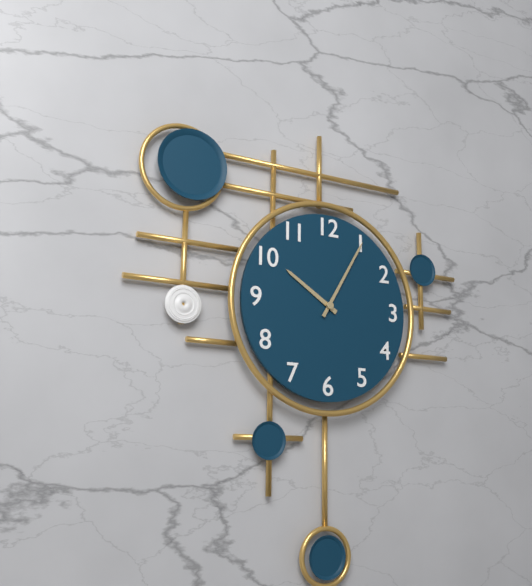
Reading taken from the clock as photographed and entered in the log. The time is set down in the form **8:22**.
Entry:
**10:05**
